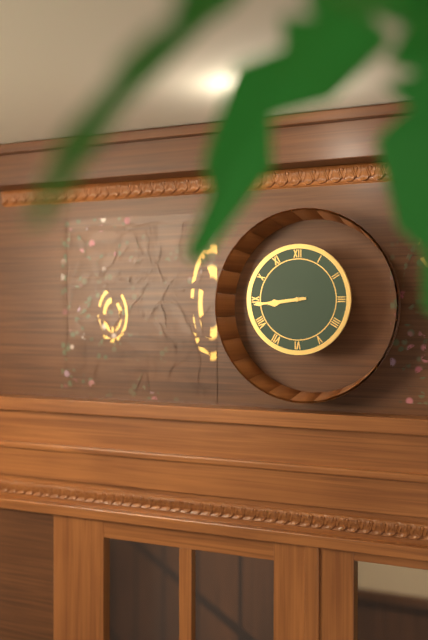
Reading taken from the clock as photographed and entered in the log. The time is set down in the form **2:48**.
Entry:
**8:44**
